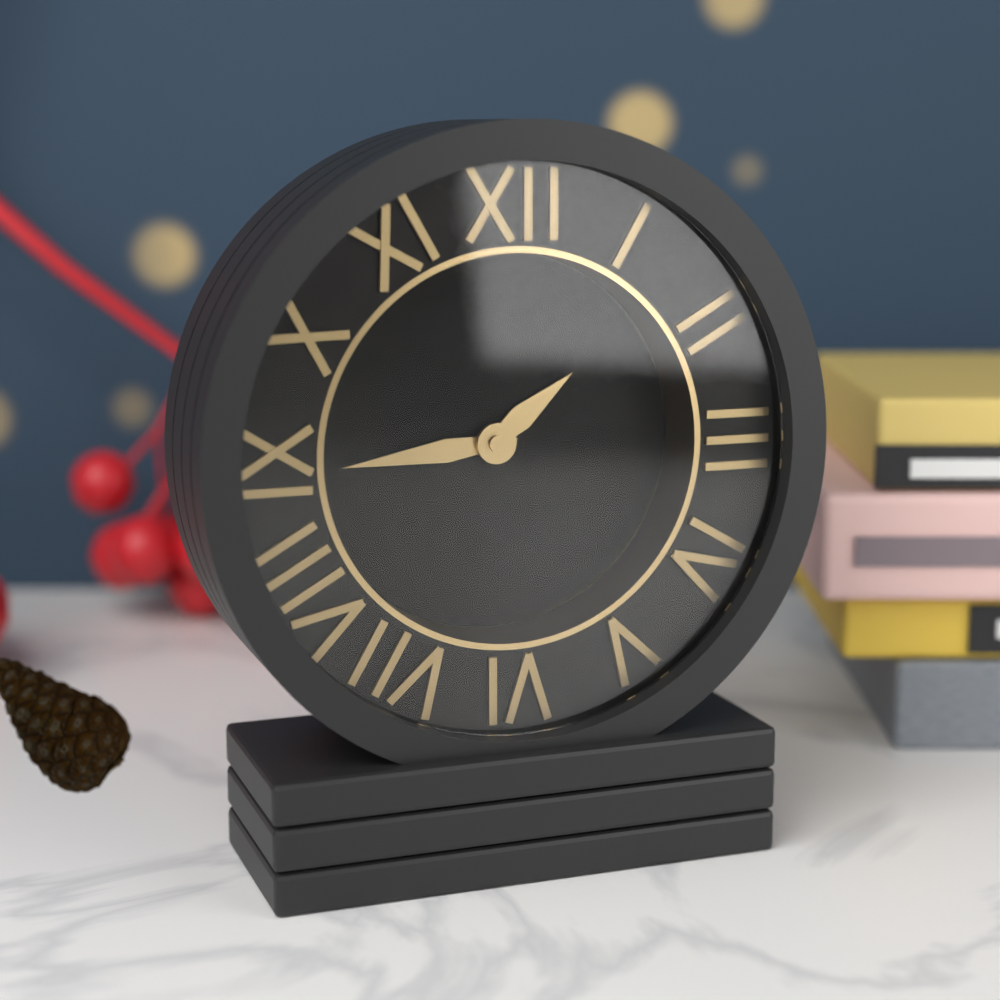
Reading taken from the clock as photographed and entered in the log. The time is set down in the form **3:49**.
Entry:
**1:44**
